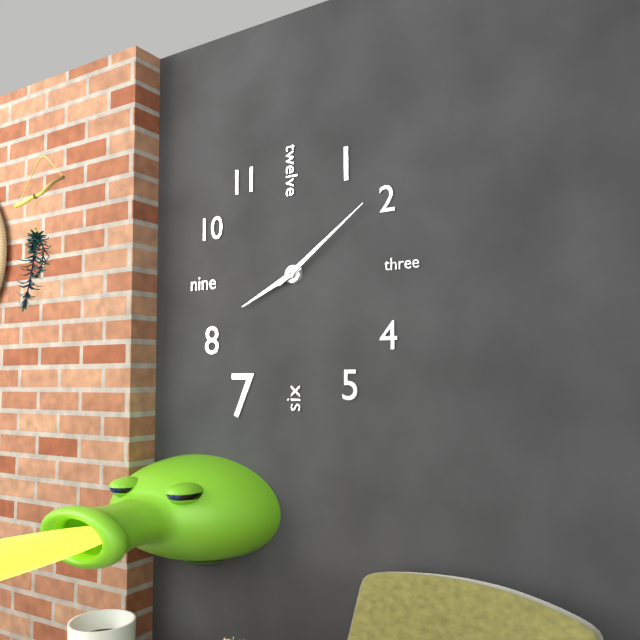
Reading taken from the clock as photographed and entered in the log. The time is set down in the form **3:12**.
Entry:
**8:09**
